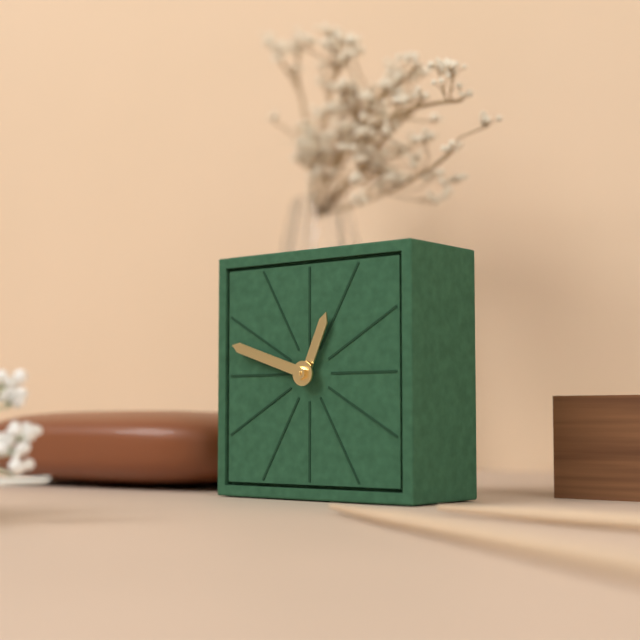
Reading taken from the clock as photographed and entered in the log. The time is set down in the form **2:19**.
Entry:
**12:48**
